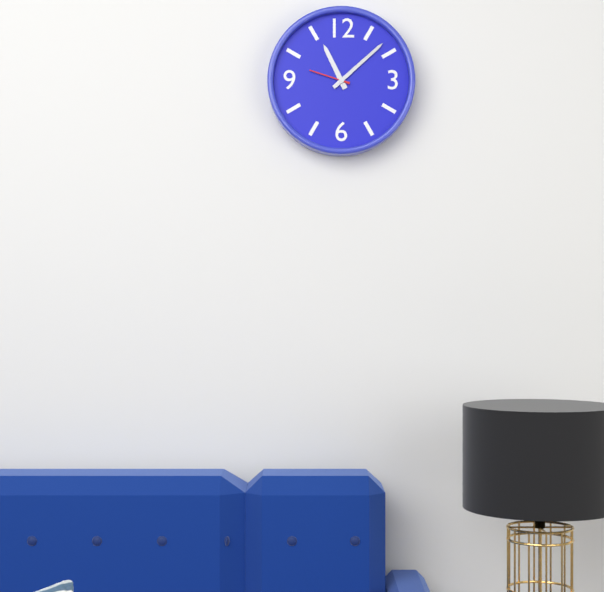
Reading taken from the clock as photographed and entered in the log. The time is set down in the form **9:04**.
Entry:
**11:08**
